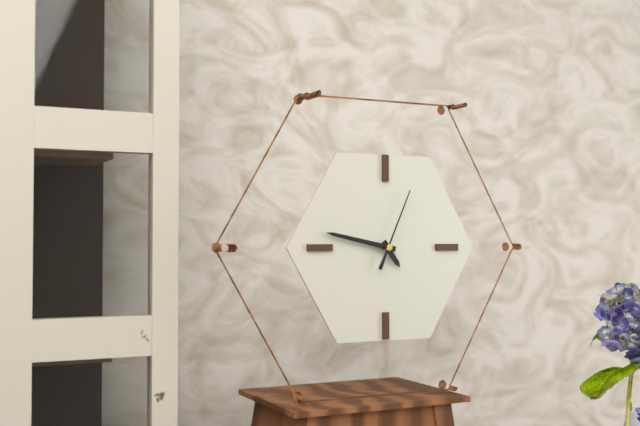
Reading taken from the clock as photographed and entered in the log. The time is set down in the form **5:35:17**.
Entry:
**4:47:04**
